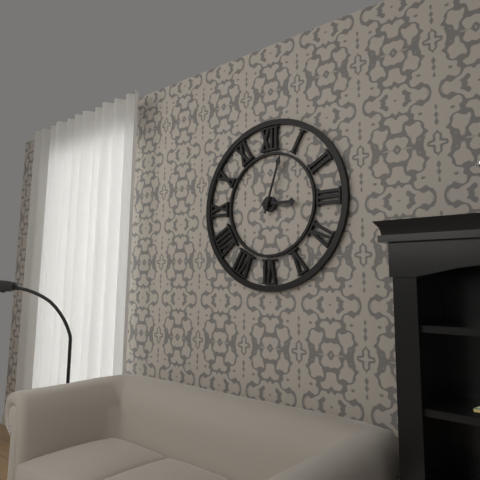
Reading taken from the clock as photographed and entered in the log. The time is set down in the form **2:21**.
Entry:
**3:03**
